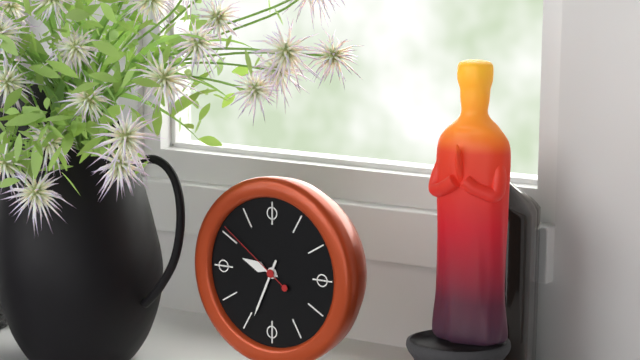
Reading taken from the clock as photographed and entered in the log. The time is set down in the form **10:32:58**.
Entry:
**9:34:51**
